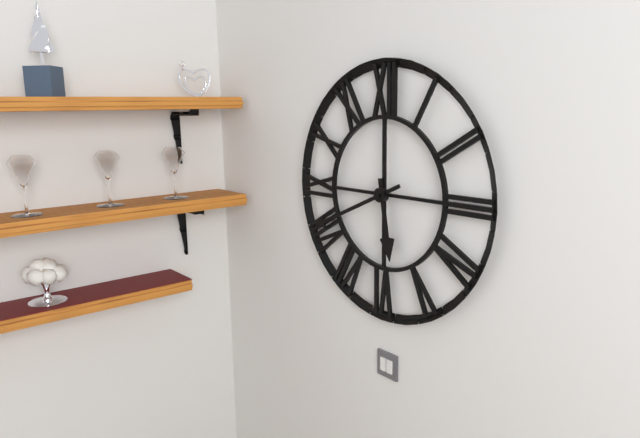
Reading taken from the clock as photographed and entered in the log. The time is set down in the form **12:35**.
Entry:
**5:41**
